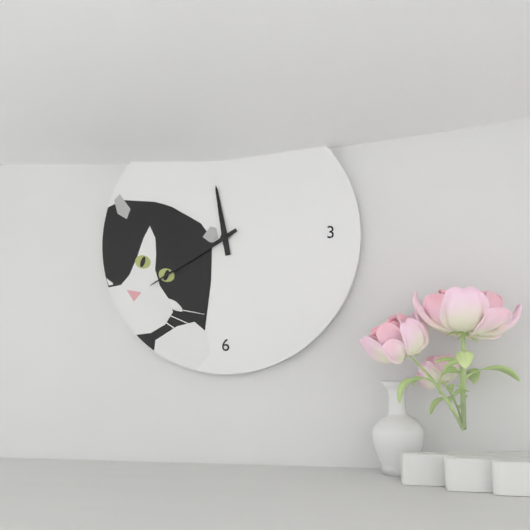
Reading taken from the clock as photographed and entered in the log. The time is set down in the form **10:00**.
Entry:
**11:40**
